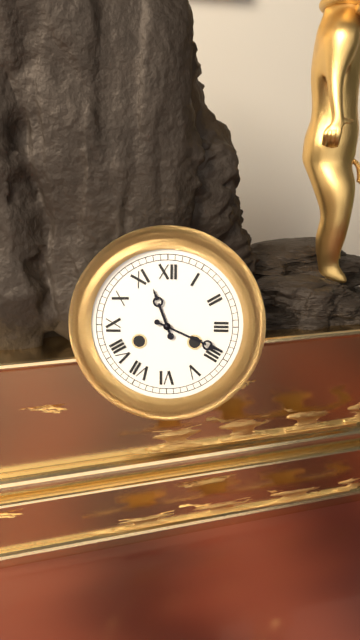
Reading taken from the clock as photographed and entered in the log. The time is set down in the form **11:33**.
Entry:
**11:19**
